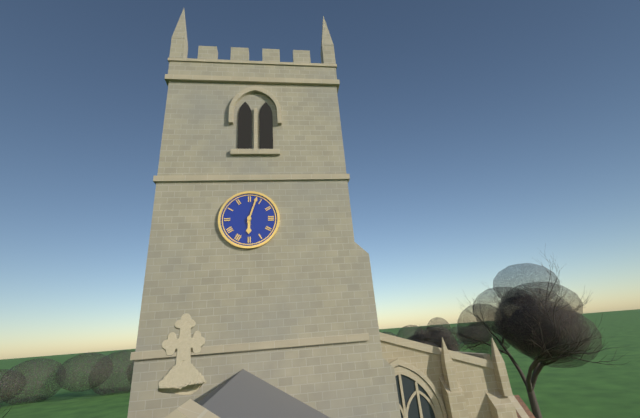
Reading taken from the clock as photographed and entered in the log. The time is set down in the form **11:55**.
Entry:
**6:03**
